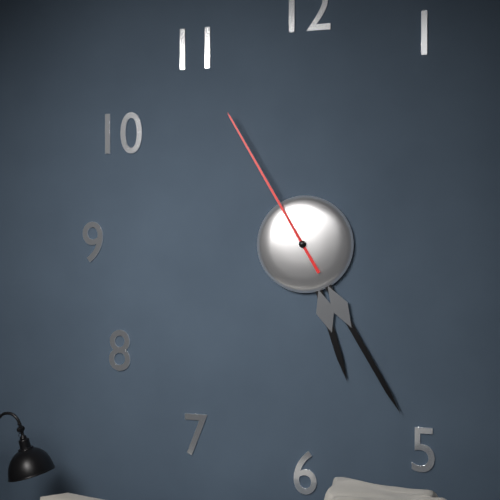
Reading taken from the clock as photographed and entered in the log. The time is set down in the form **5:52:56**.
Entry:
**5:25:55**
